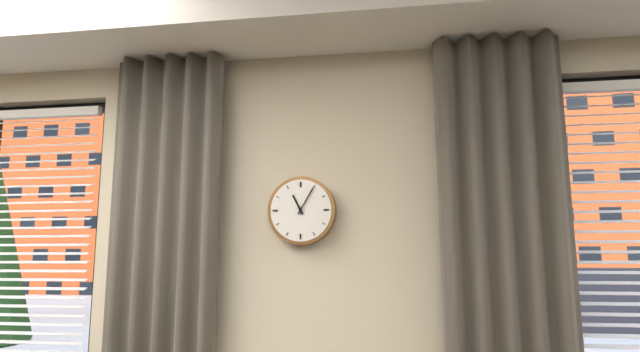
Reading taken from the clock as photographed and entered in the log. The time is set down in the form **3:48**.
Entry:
**11:05**
